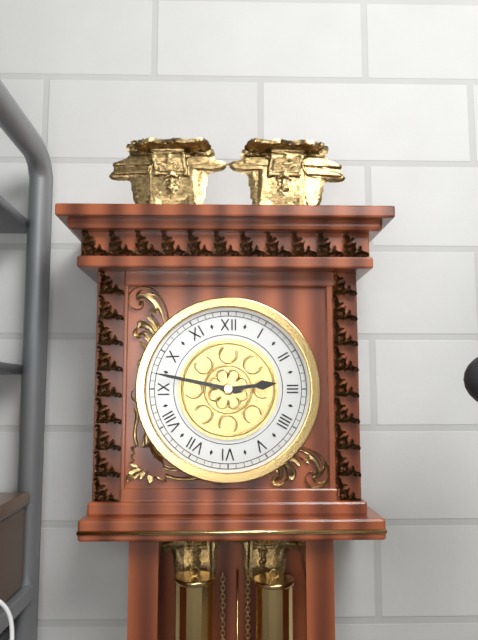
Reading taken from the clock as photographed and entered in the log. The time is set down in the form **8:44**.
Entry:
**2:47**
